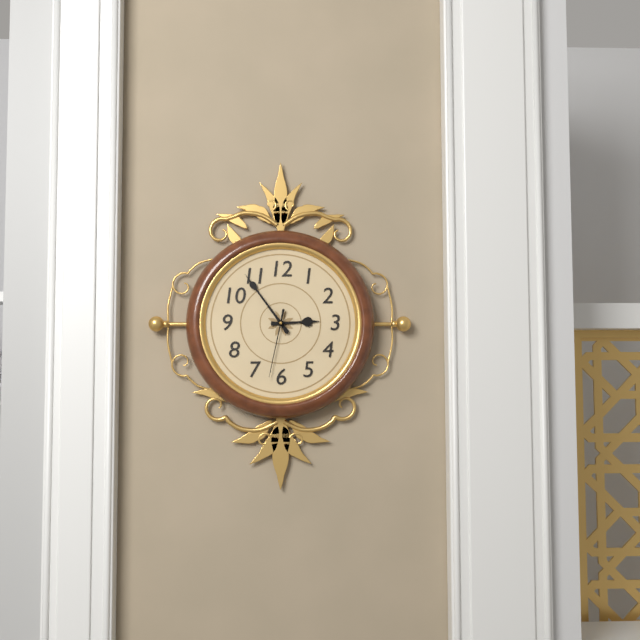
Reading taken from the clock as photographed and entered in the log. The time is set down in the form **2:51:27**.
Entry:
**2:54:32**
